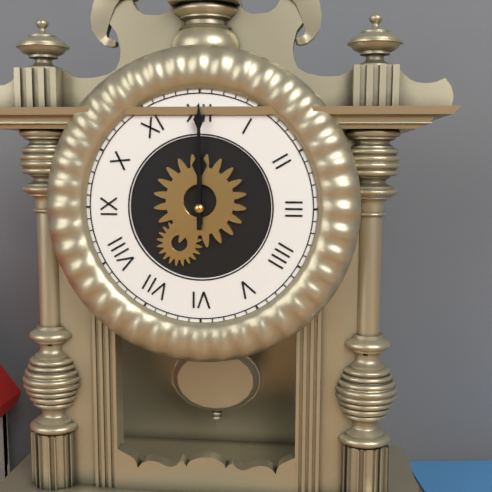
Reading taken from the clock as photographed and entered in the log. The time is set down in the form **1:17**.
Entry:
**12:00**
